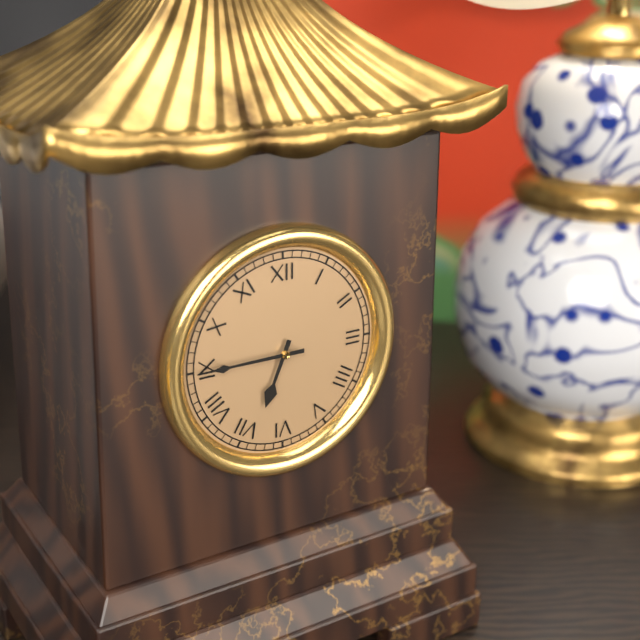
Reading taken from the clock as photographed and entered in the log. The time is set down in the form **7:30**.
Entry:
**6:45**
